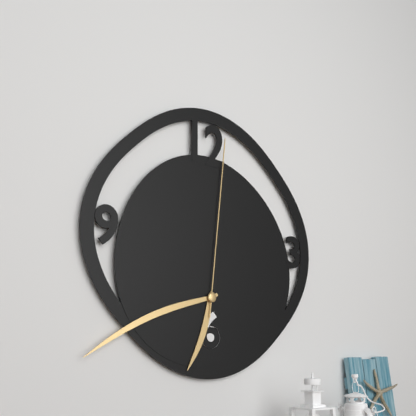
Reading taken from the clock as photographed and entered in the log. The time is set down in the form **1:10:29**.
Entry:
**6:41:01**
